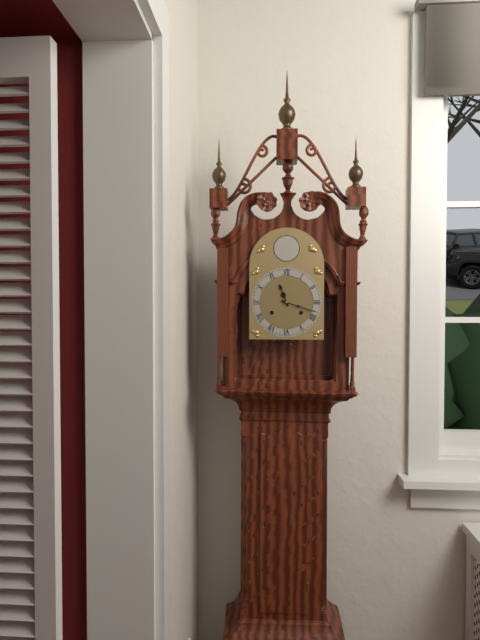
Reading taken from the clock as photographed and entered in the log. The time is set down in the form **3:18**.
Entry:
**11:18**
